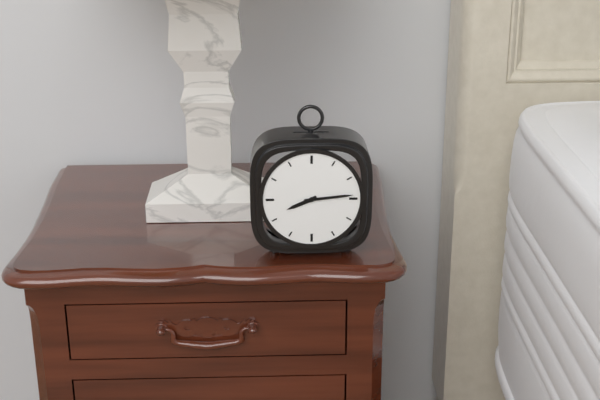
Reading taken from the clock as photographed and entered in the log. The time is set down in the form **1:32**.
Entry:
**8:14**
